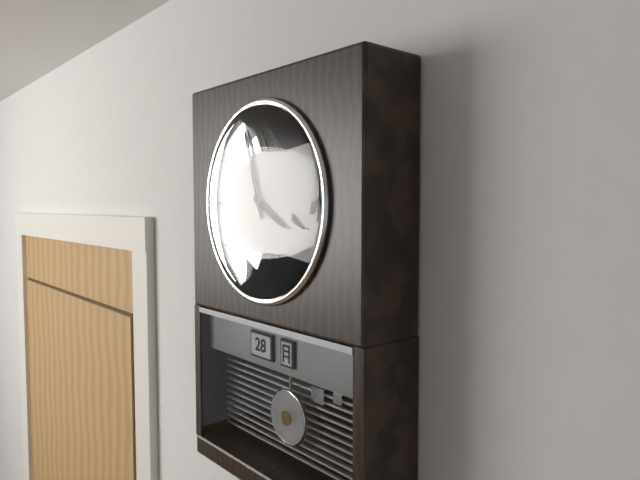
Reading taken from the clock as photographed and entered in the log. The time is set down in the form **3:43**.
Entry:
**3:57**
